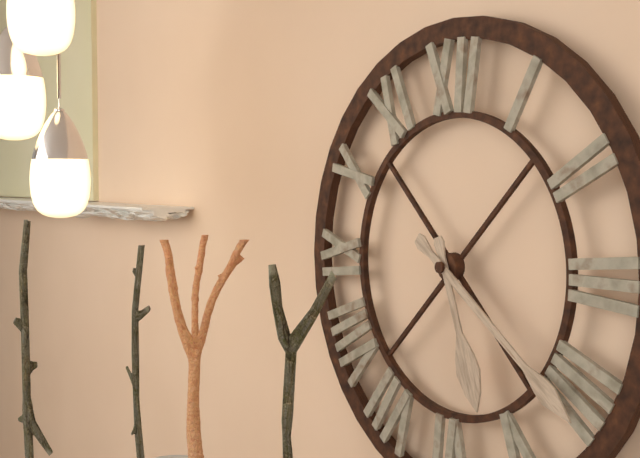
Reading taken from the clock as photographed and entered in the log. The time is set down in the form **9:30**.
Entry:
**5:21**
